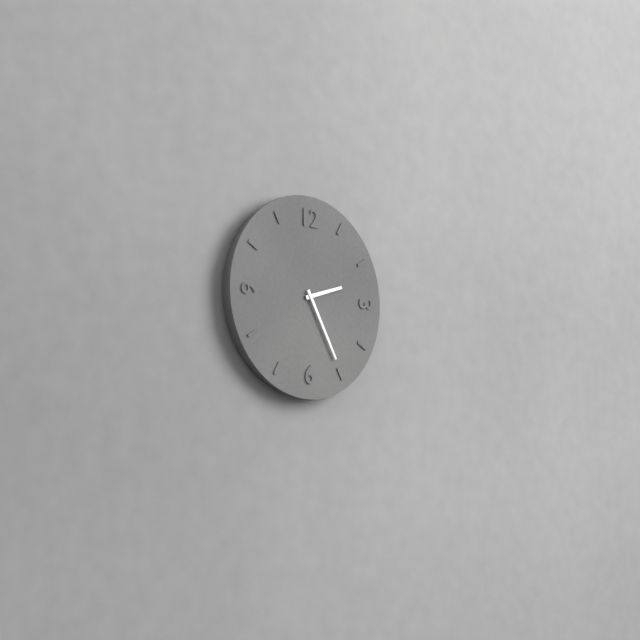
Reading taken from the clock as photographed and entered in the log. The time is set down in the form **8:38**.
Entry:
**2:25**
